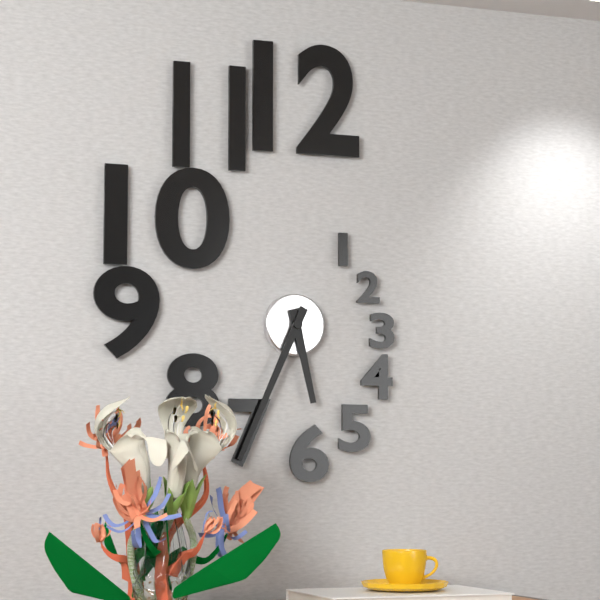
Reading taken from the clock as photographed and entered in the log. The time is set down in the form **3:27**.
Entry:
**5:34**
